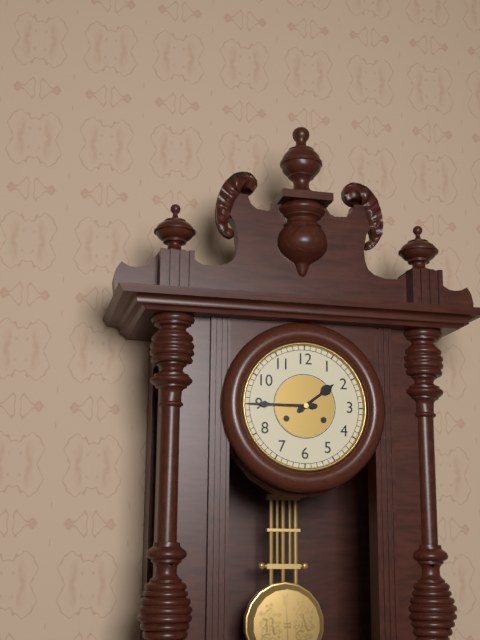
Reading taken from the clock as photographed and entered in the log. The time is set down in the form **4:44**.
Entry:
**1:45**
